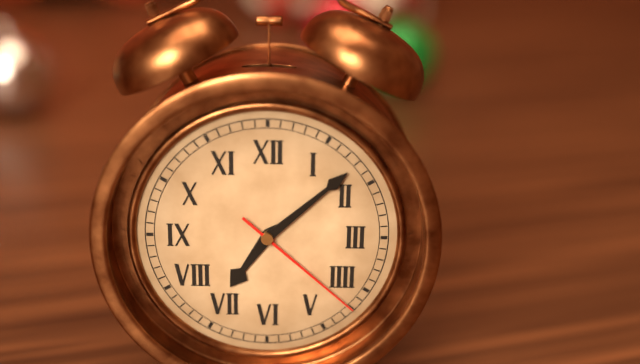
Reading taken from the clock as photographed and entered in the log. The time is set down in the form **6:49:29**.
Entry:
**7:08:22**
